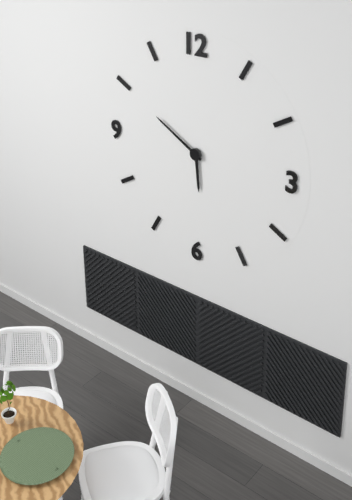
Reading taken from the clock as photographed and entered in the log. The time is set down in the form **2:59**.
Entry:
**5:50**
